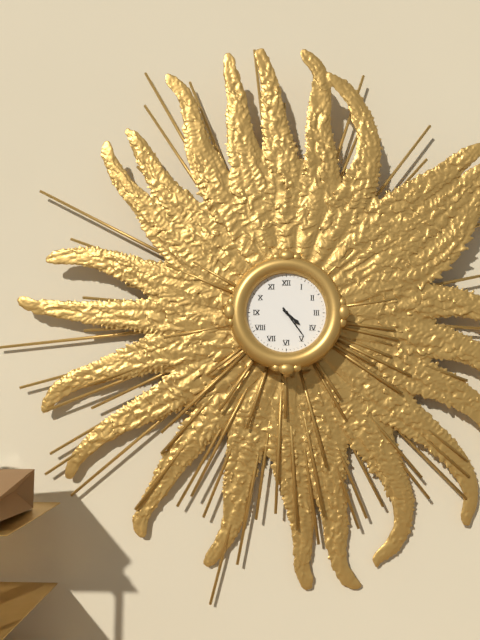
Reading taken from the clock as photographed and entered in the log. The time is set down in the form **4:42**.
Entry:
**4:24**
